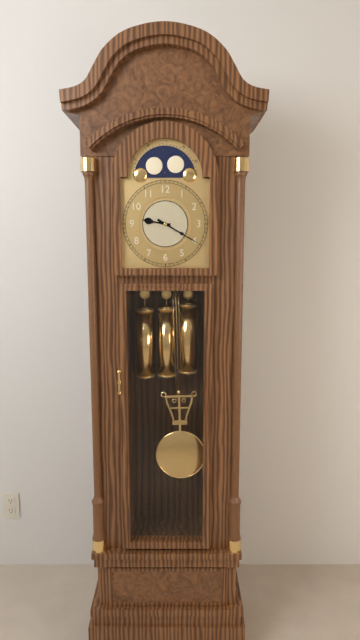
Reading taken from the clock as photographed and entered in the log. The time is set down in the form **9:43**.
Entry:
**9:20**
